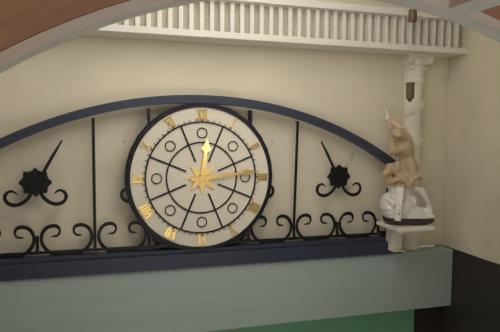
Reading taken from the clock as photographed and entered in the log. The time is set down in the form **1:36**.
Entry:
**12:14**
